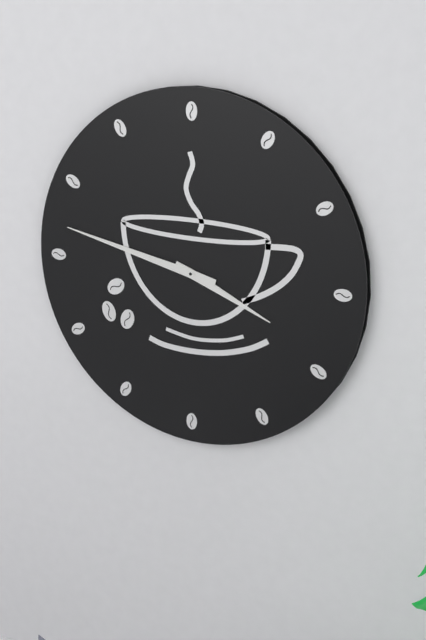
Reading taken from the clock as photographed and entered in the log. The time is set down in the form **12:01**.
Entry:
**3:47**
